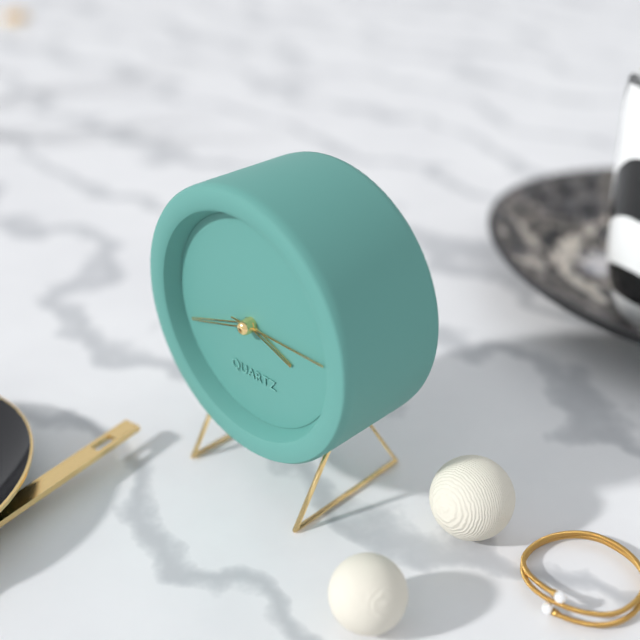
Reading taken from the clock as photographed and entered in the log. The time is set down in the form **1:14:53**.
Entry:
**3:42:15**
